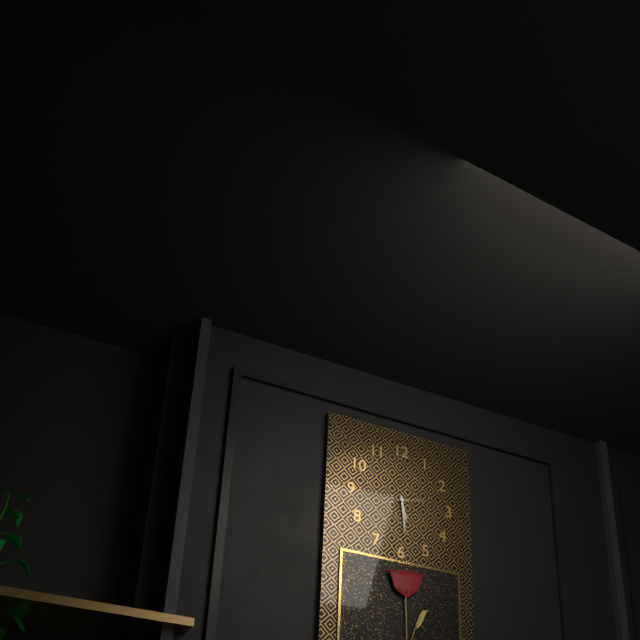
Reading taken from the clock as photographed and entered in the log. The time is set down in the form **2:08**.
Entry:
**5:29**
